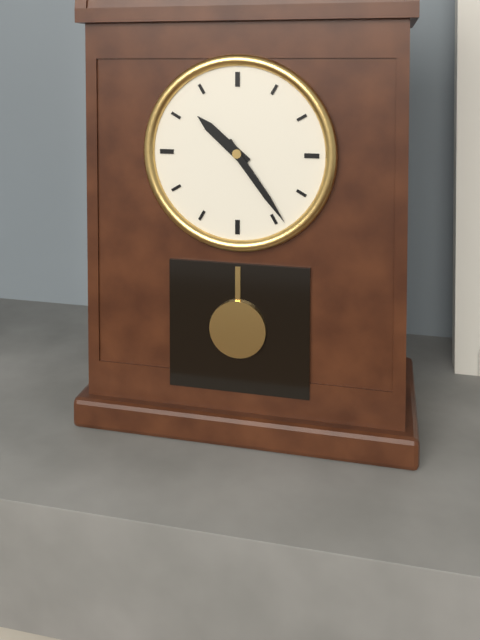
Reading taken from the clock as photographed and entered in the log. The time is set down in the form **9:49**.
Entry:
**10:24**
